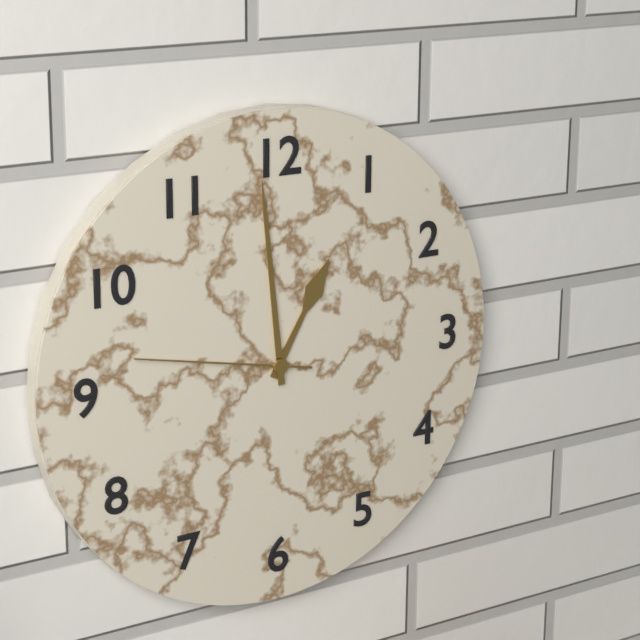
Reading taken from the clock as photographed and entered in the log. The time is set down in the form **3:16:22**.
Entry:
**12:59:47**
